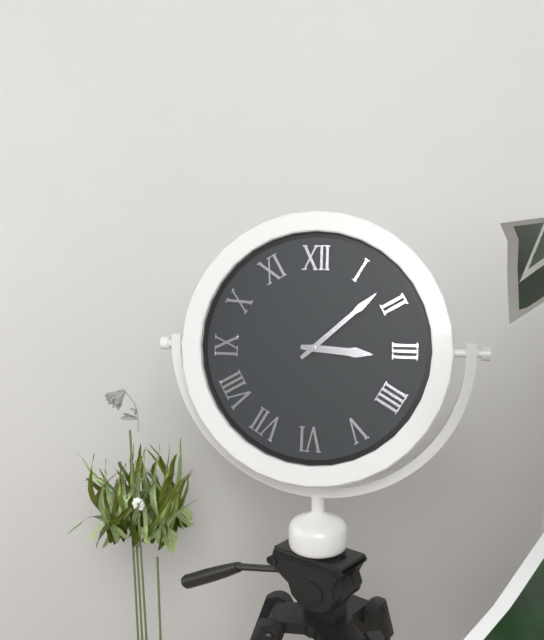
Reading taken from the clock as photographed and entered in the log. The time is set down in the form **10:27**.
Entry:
**3:08**
